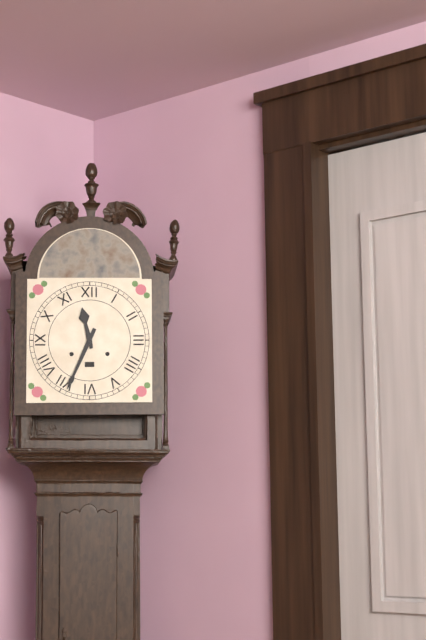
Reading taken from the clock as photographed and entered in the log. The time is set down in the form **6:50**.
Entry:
**11:34**
